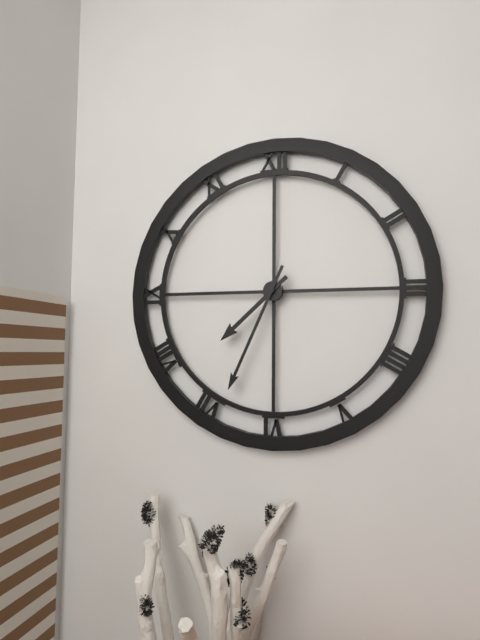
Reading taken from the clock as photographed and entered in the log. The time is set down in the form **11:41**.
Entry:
**7:34**
